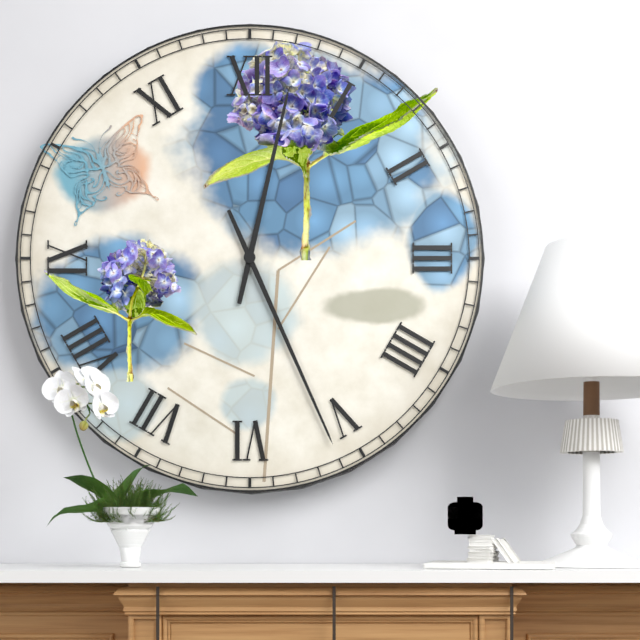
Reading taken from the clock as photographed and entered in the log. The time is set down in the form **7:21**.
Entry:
**12:26**
